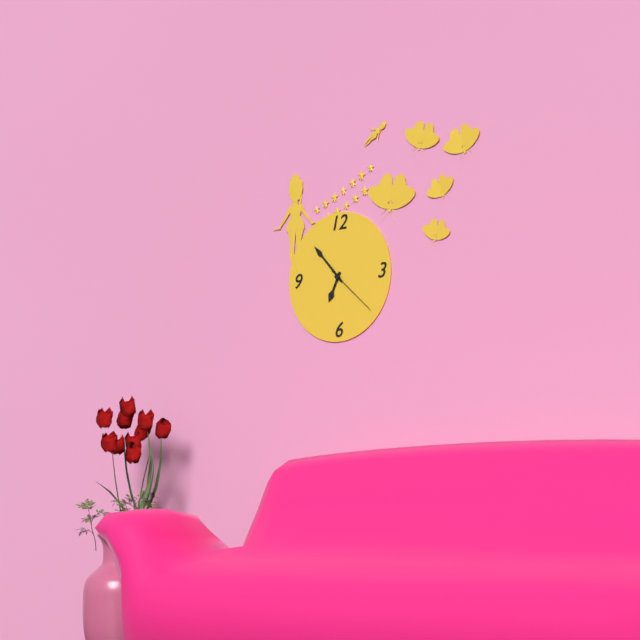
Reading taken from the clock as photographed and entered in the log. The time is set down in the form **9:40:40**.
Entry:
**6:53:22**
